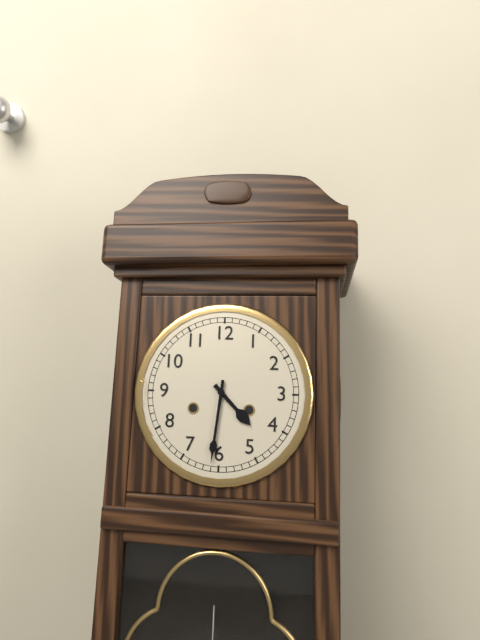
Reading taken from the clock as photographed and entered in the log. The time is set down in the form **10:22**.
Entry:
**4:31**
